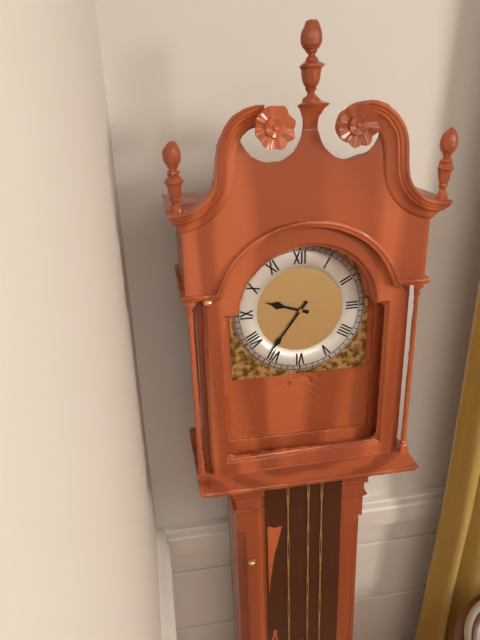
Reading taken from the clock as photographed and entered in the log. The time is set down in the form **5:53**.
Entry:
**9:36**
